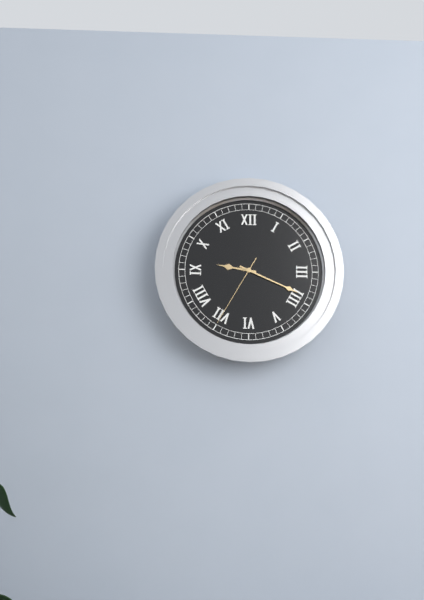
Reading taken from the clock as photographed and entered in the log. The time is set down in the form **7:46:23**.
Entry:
**9:19:35**
